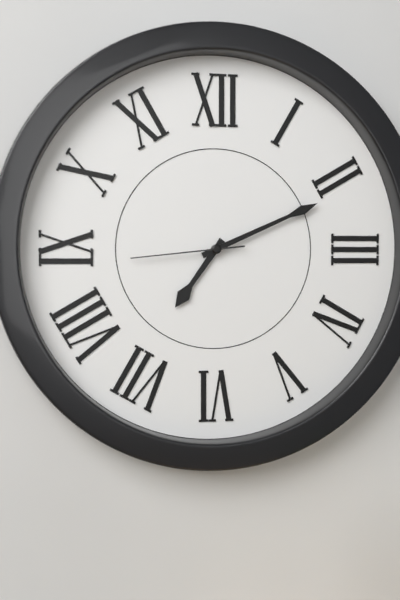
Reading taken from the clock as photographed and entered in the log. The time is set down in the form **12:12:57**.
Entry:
**7:11:44**
